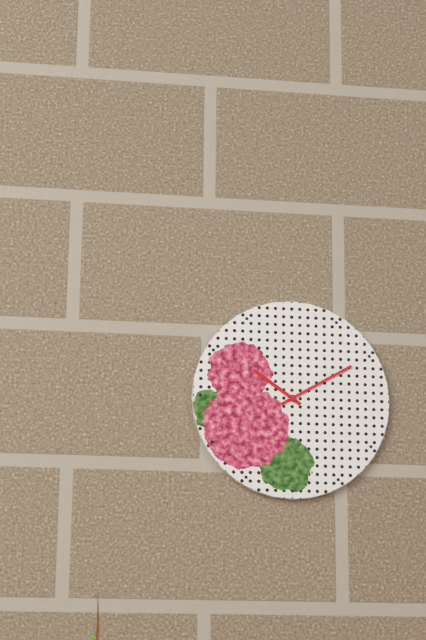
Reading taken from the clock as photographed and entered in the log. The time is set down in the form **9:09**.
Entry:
**10:10**
